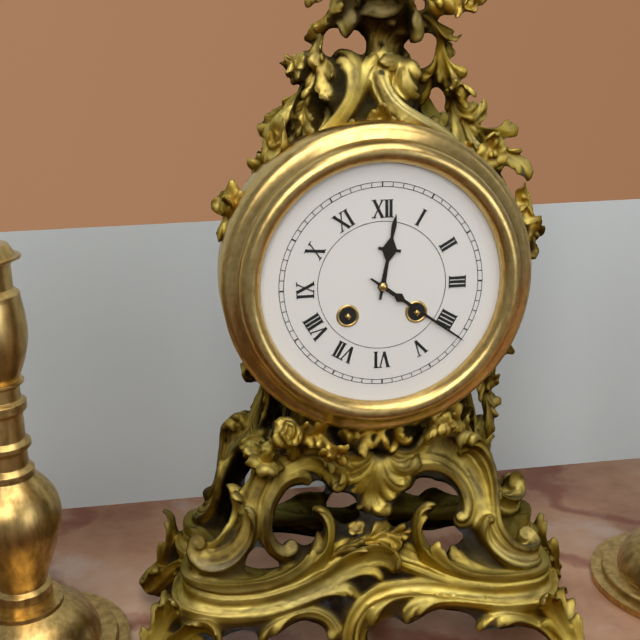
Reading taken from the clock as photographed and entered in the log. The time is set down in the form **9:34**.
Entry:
**12:21**
